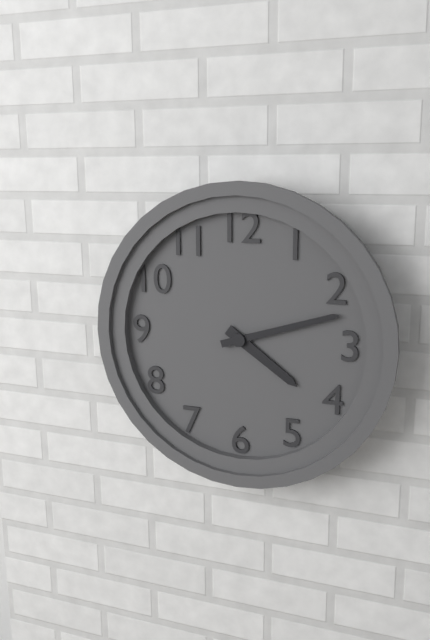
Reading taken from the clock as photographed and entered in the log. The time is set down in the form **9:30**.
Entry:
**4:12**
